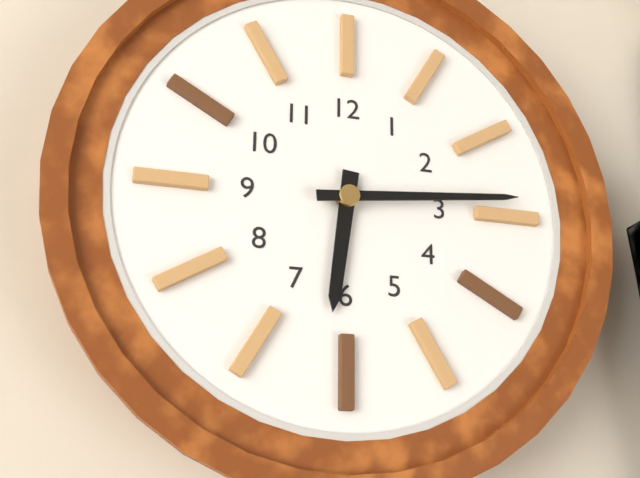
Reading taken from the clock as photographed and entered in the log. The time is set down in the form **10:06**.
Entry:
**6:14**
